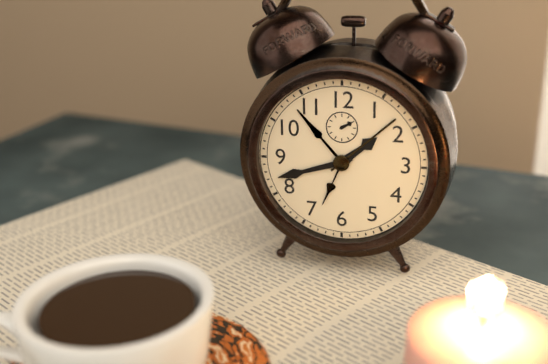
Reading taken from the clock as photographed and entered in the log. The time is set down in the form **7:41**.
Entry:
**1:42**
